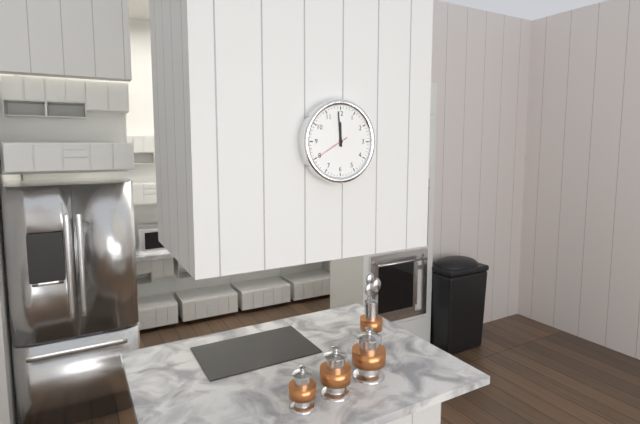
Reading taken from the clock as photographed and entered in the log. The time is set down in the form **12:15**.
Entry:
**11:59**
